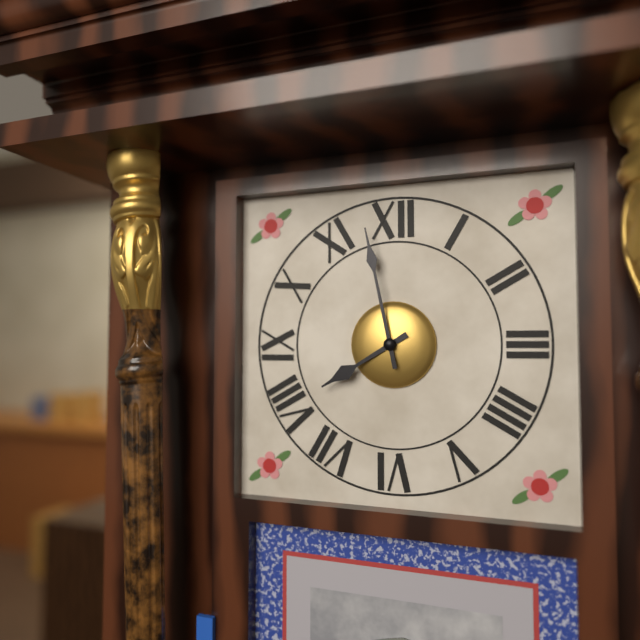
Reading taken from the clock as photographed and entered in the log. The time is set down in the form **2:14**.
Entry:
**7:58**
